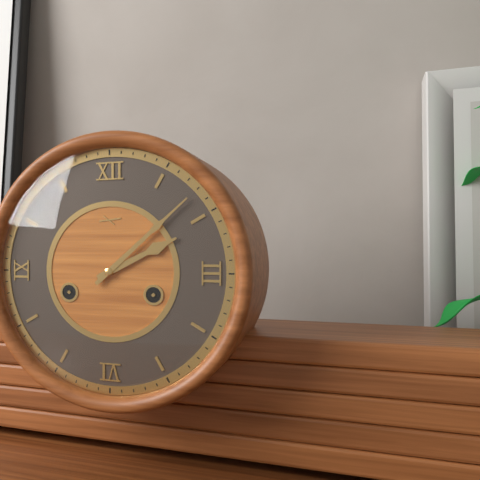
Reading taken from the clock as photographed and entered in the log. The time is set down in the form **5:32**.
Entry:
**2:08**
